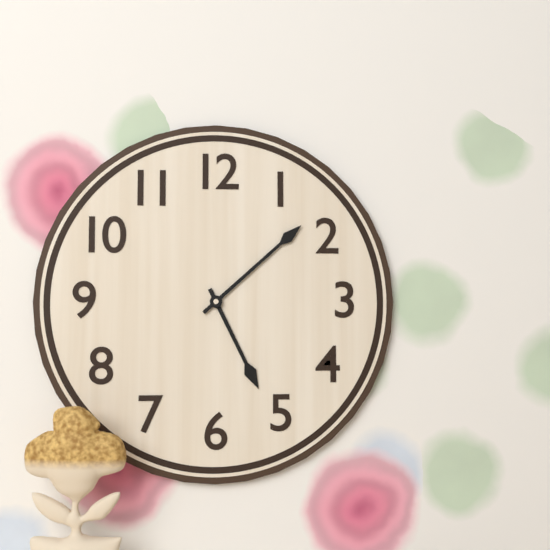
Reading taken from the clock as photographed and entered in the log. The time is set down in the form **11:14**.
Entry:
**5:08**
